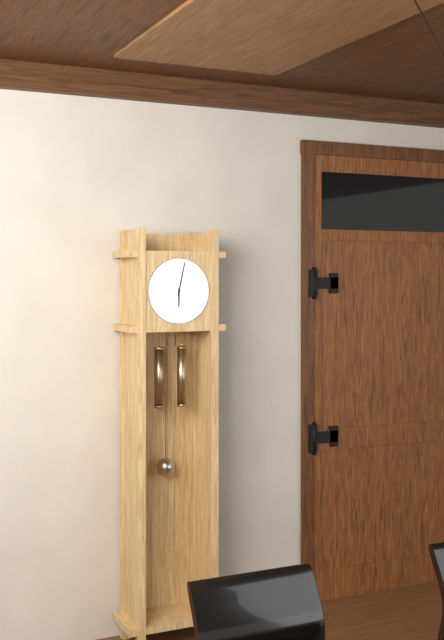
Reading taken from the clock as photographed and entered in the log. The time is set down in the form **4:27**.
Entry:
**6:02**
